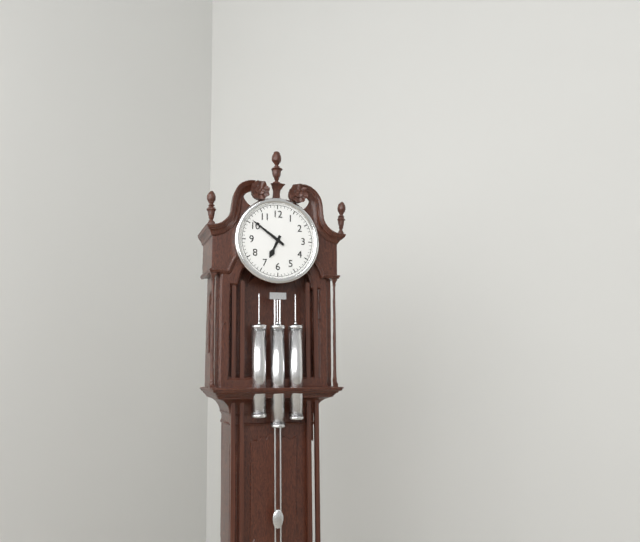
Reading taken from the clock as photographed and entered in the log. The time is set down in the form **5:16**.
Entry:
**6:51**
